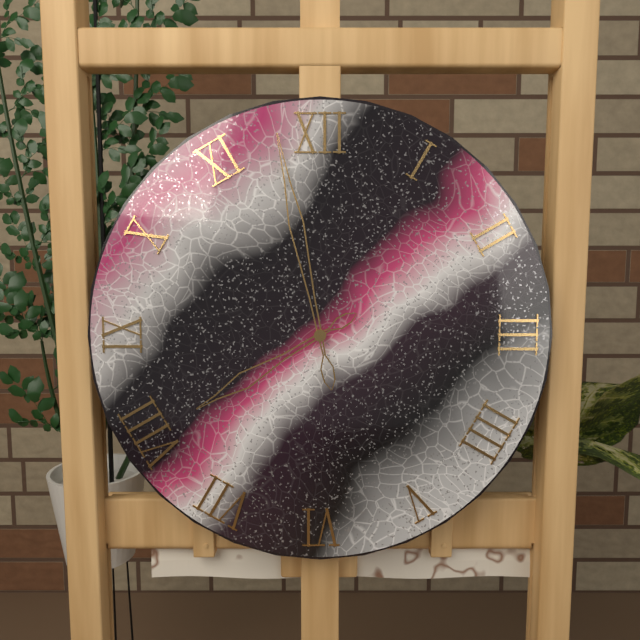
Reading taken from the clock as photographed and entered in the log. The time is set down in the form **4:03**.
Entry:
**7:58**
